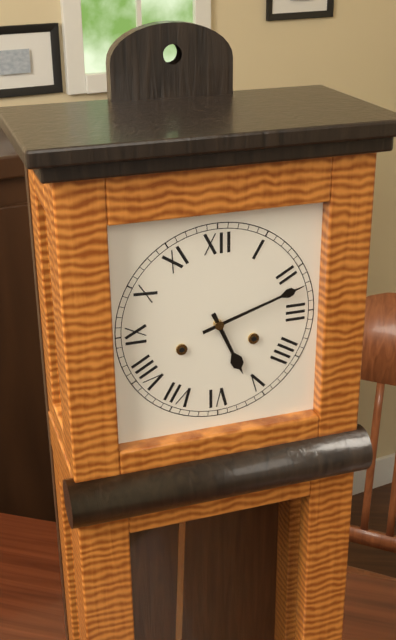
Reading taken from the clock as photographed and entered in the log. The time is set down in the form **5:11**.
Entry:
**5:12**
